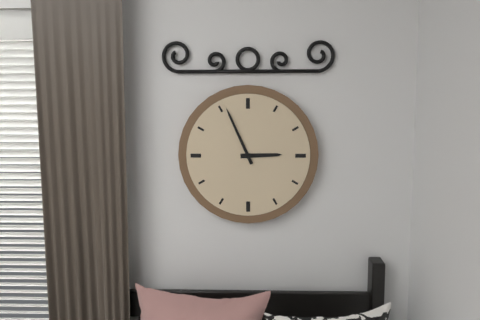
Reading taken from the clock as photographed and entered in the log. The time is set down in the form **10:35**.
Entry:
**2:56**
